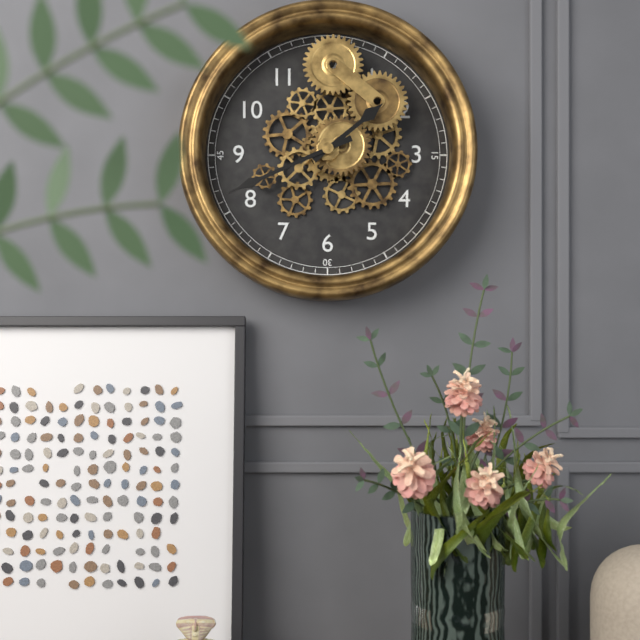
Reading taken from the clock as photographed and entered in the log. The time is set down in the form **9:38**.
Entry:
**1:41**
